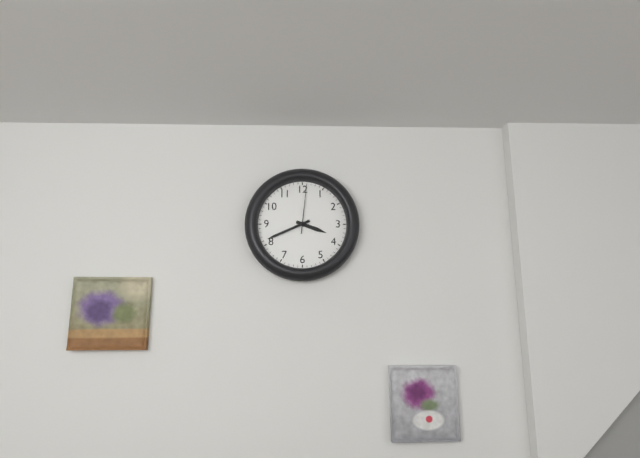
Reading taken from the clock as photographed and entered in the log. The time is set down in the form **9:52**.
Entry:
**3:41**
